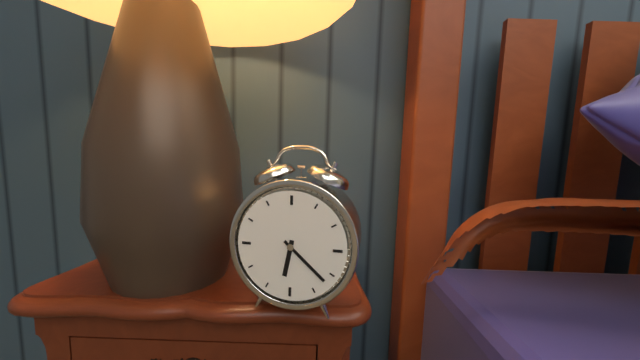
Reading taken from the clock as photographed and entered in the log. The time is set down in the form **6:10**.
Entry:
**6:22**
